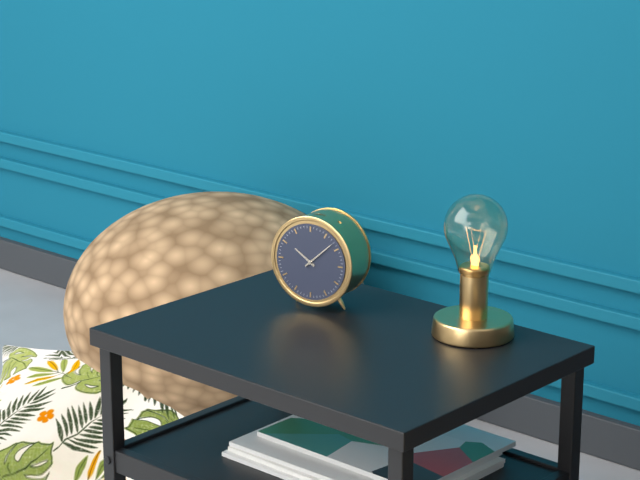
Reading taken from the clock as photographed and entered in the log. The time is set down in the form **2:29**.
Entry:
**10:08**
